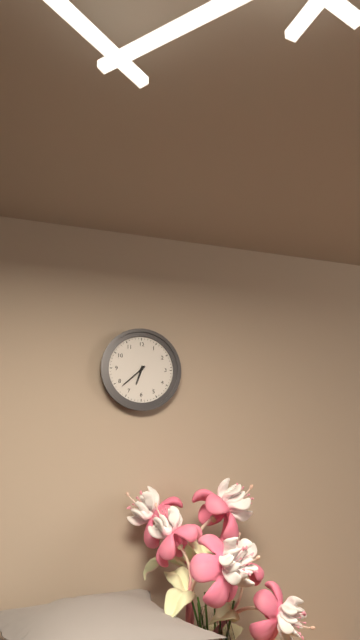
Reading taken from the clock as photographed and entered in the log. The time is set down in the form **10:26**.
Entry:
**6:38**
